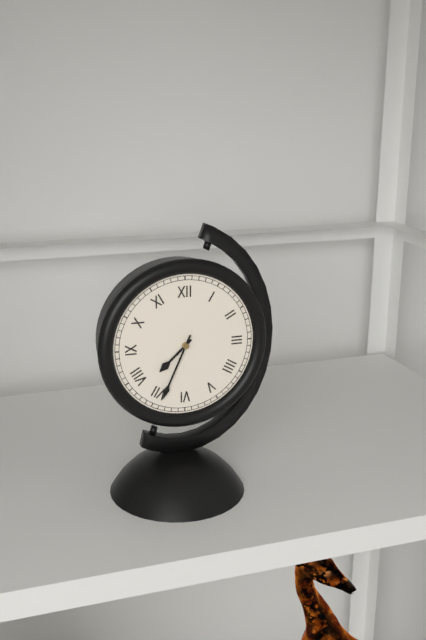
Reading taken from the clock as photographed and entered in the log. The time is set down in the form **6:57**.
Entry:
**7:34**
